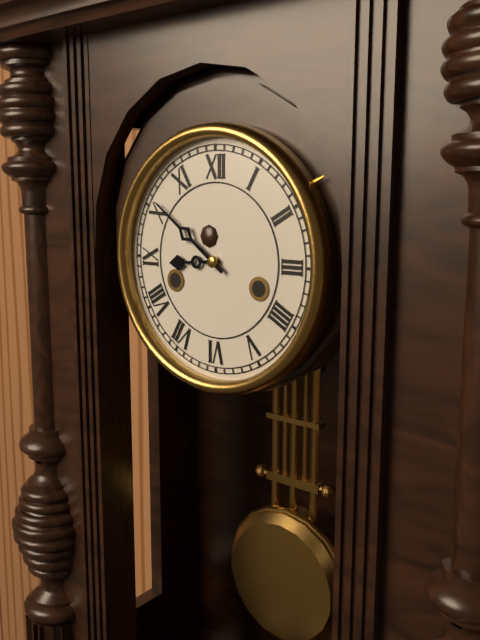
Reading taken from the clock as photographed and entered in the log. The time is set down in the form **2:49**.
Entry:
**8:51**
